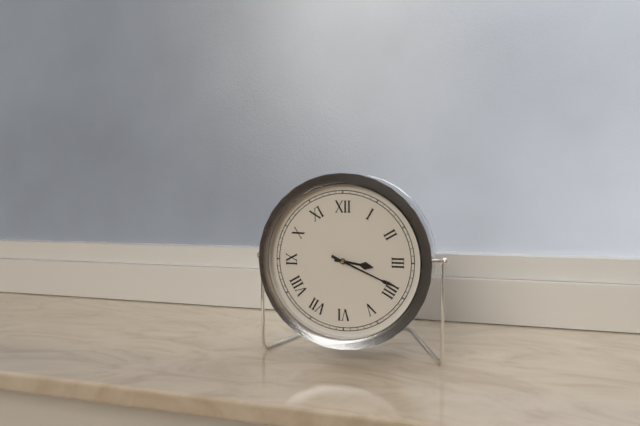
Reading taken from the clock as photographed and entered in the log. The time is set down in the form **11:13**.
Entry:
**3:19**
